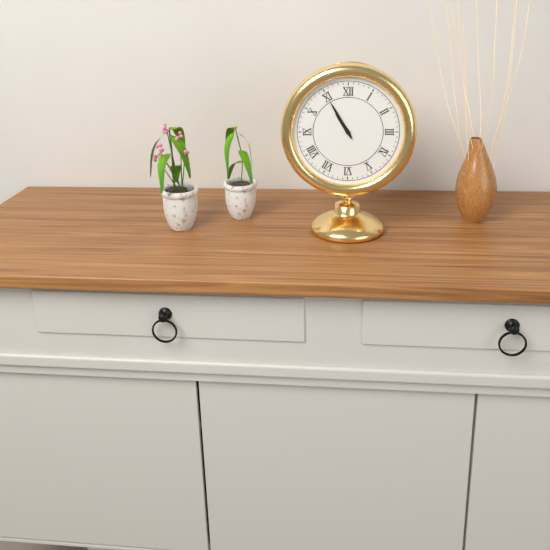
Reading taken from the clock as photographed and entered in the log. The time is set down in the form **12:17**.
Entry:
**10:55**
